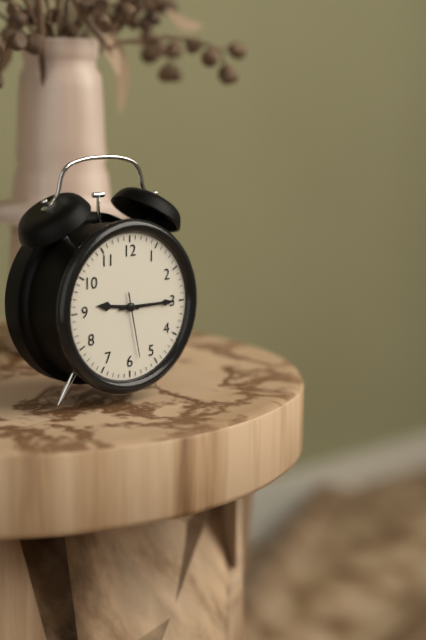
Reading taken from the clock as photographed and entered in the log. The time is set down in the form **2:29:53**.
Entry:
**9:15:28**
